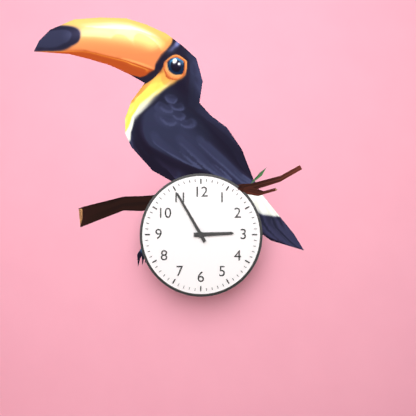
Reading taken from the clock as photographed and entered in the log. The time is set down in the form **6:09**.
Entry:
**2:55**
